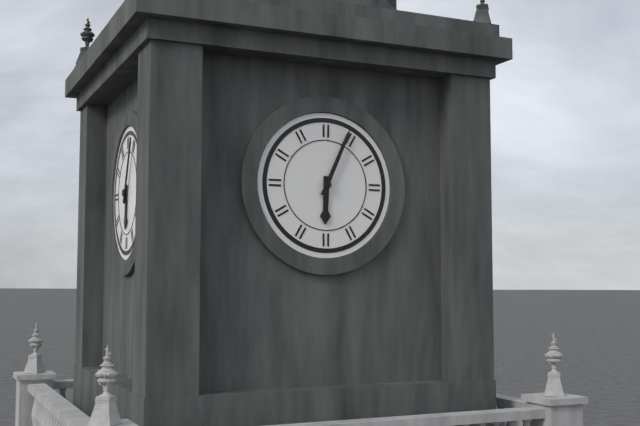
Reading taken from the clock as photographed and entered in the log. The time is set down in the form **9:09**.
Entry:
**6:04**
